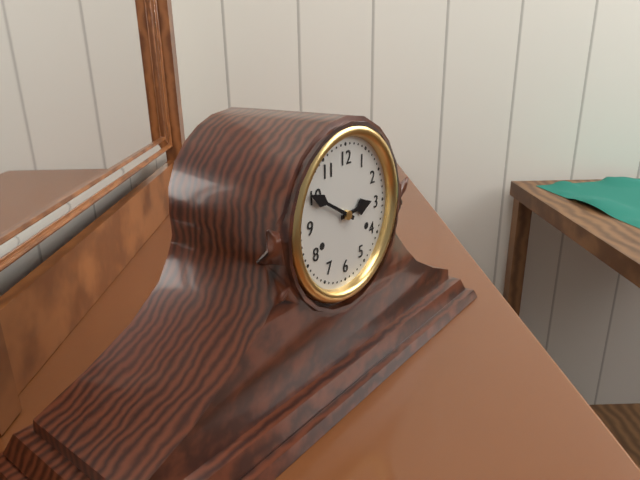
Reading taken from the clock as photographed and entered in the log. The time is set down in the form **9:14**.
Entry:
**2:50**
